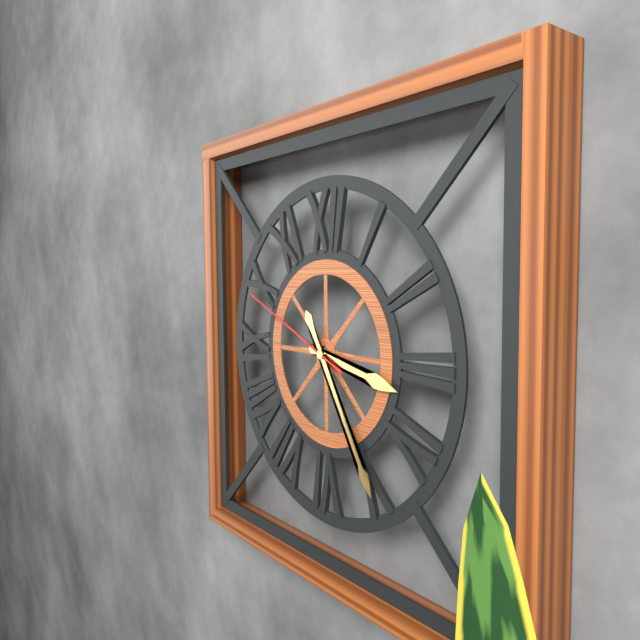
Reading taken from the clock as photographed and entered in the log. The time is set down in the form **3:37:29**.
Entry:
**3:25:49**
